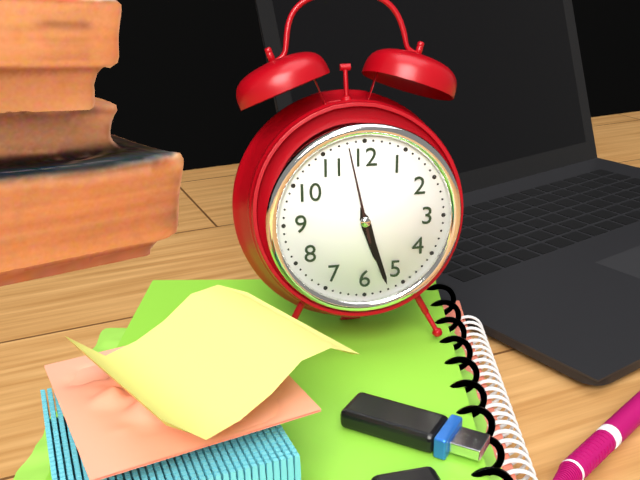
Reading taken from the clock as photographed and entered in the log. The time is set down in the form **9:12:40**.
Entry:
**5:27:58**
